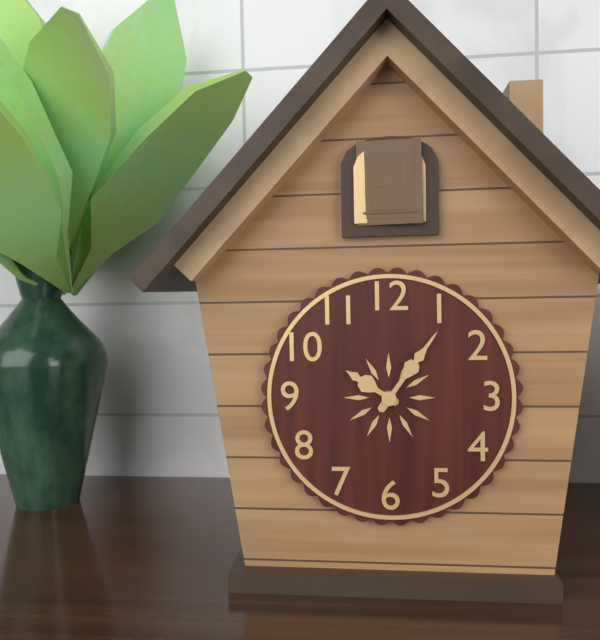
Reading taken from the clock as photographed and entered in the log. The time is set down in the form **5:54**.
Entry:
**10:06**
